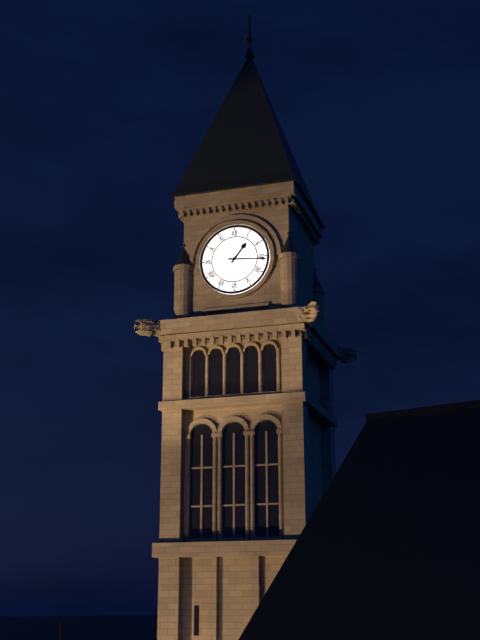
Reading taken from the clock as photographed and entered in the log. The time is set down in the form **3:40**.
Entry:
**1:16**
